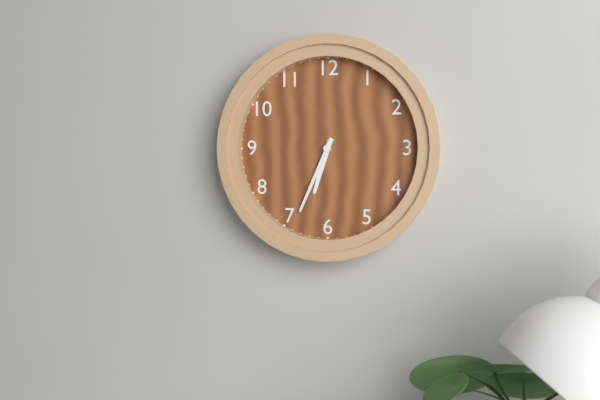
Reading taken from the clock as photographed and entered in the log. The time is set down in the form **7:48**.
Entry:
**6:34**
